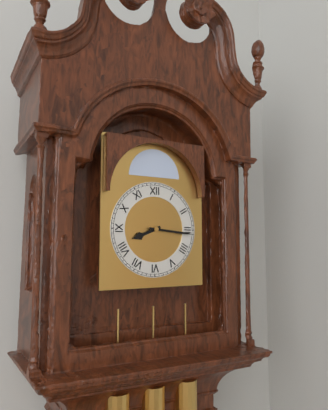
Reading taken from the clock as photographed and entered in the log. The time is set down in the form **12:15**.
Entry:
**8:16**
